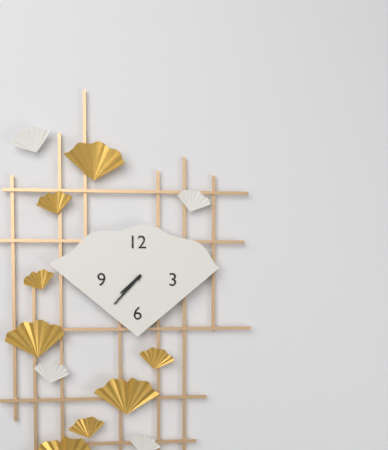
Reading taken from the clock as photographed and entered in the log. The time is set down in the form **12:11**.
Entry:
**7:37**
